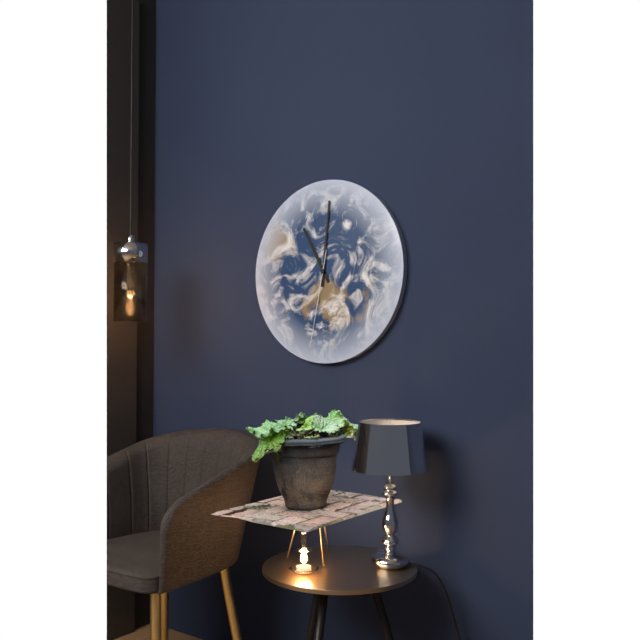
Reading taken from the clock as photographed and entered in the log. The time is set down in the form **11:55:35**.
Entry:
**11:01:32**
